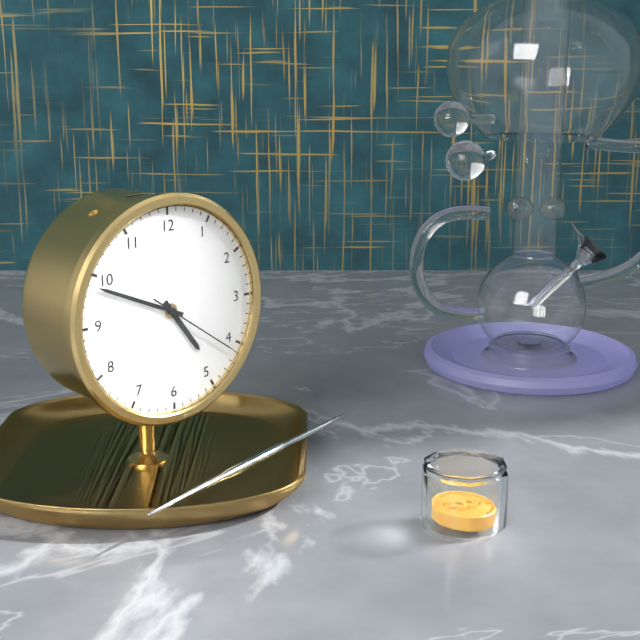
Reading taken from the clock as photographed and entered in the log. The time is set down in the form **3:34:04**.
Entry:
**4:49:21**
